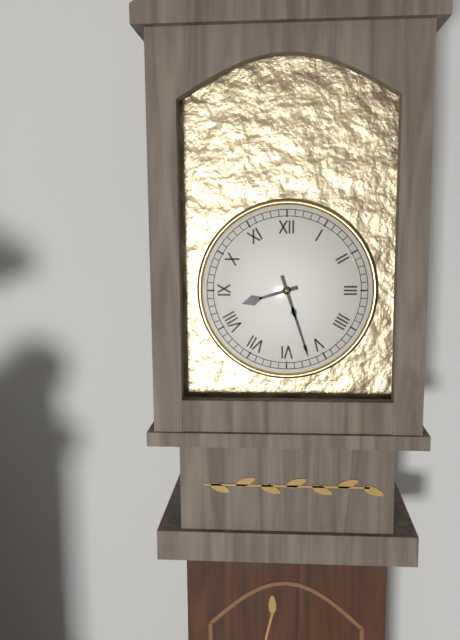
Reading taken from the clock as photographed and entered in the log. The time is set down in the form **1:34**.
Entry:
**8:27**
